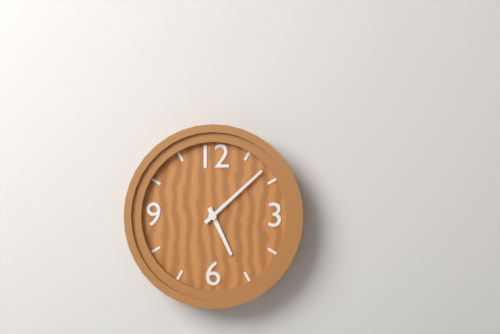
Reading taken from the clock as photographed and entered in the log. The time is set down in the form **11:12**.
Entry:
**5:08**
